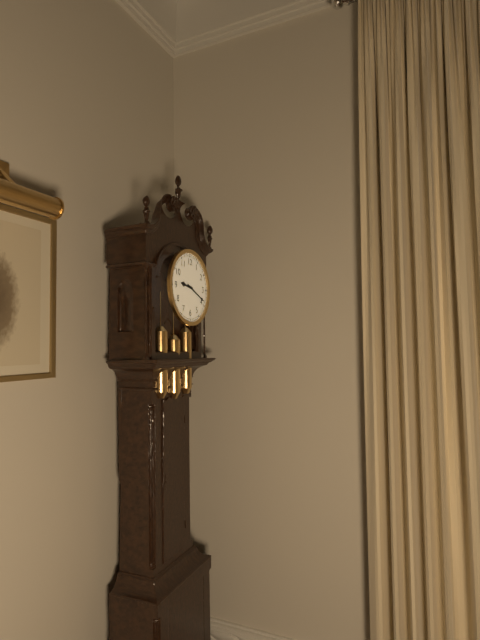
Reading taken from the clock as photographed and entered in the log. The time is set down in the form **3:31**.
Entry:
**9:19**
